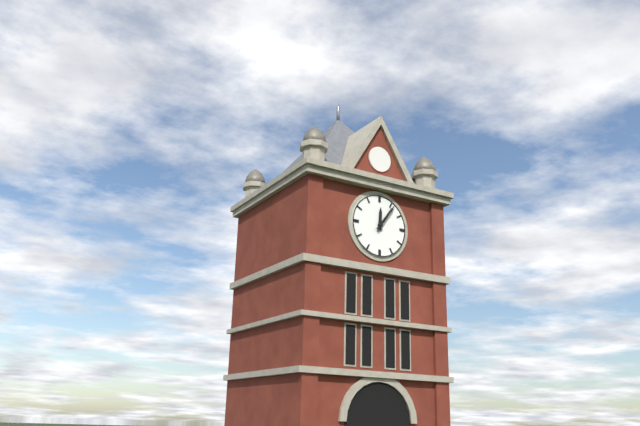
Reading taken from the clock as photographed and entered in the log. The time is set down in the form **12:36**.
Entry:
**12:06**
